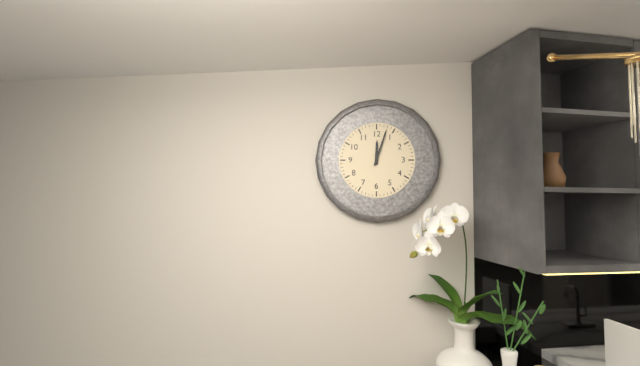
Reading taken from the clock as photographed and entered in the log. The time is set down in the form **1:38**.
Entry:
**12:03**
